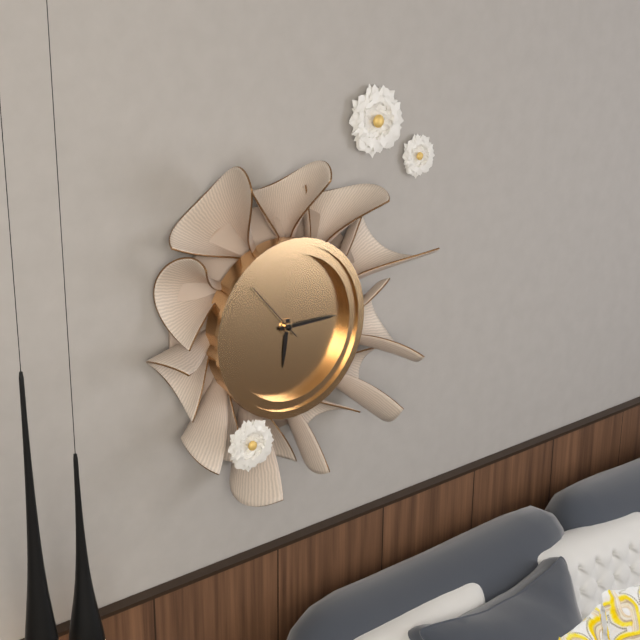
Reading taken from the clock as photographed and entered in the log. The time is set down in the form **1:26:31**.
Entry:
**6:15:53**
